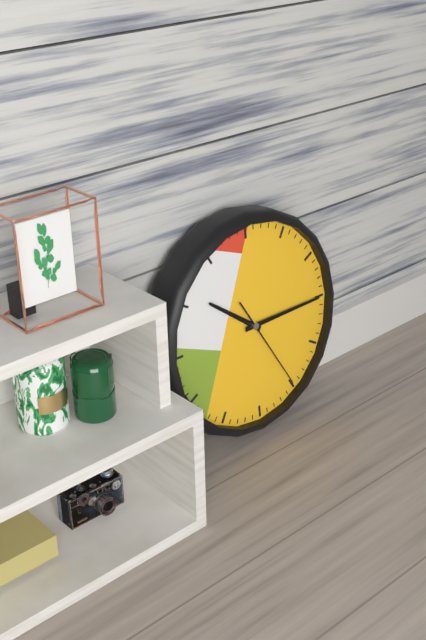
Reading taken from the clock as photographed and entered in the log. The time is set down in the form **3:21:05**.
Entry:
**10:15:25**
